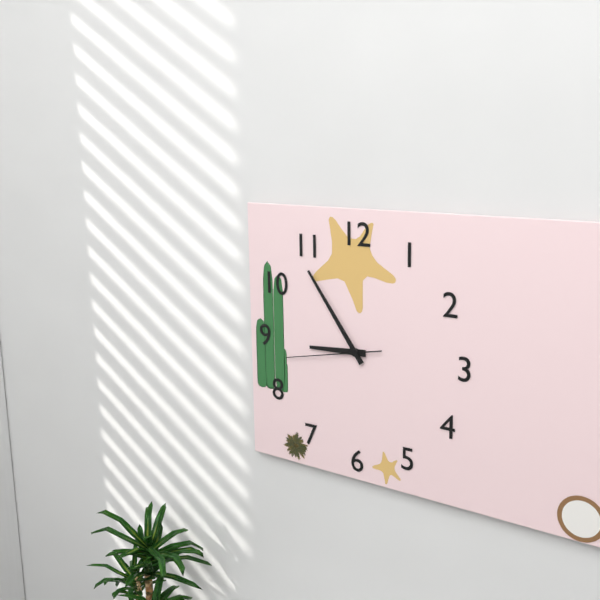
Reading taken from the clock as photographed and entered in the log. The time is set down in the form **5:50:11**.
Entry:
**8:54:43**
